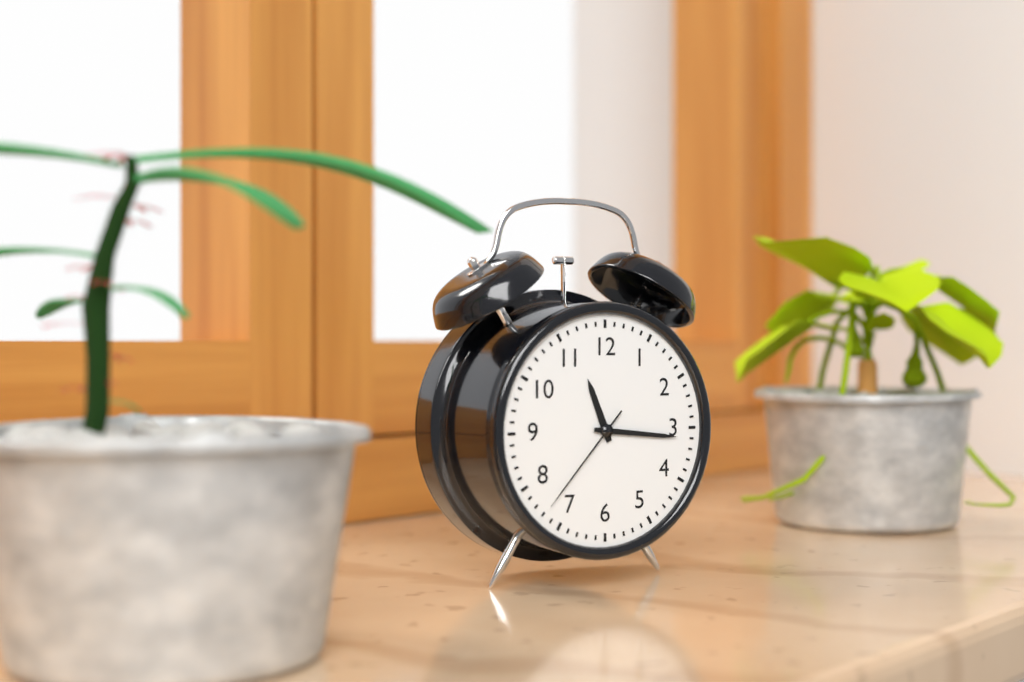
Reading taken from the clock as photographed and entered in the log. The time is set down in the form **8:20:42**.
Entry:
**11:16:37**
